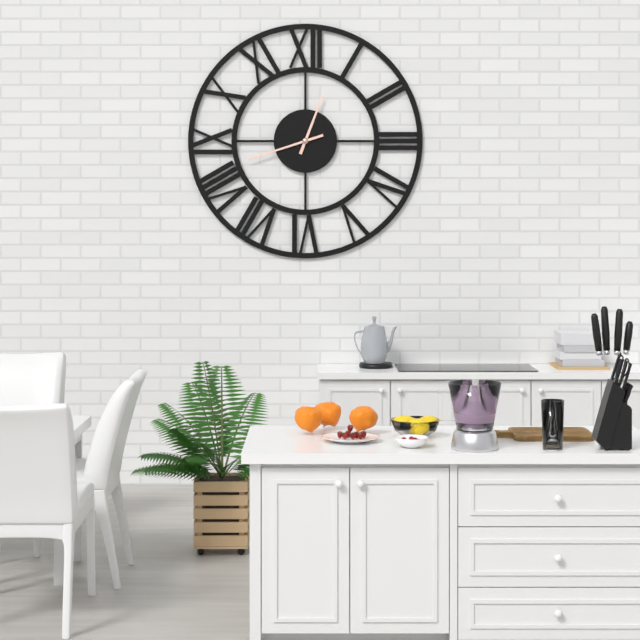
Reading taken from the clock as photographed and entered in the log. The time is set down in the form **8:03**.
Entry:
**12:42**
